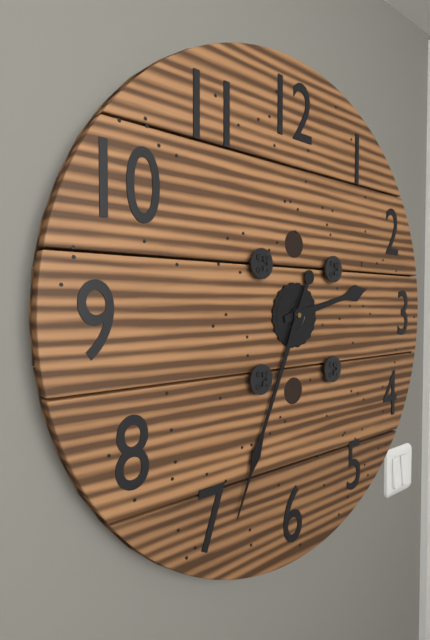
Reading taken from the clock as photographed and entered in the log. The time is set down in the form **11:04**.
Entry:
**2:34**
